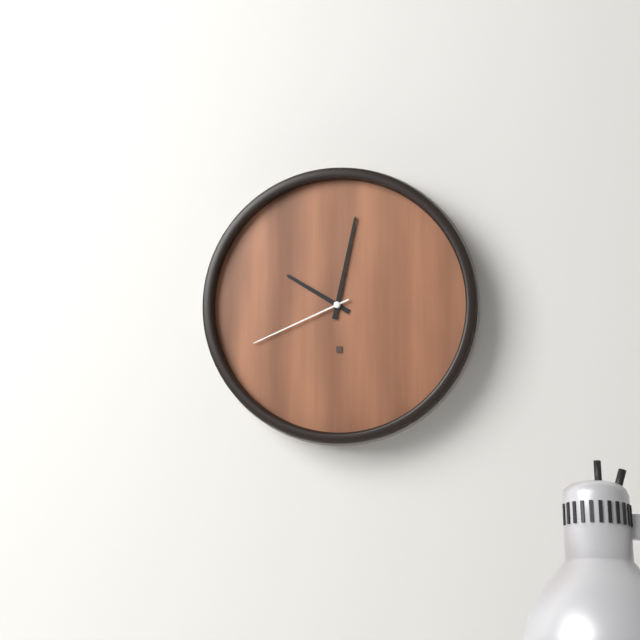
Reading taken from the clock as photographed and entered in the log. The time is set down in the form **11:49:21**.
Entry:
**10:02:41**
